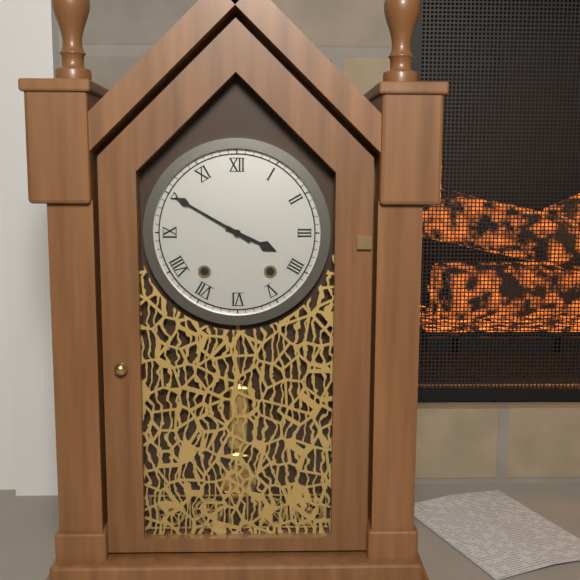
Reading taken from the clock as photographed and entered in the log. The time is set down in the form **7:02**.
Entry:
**3:50**
